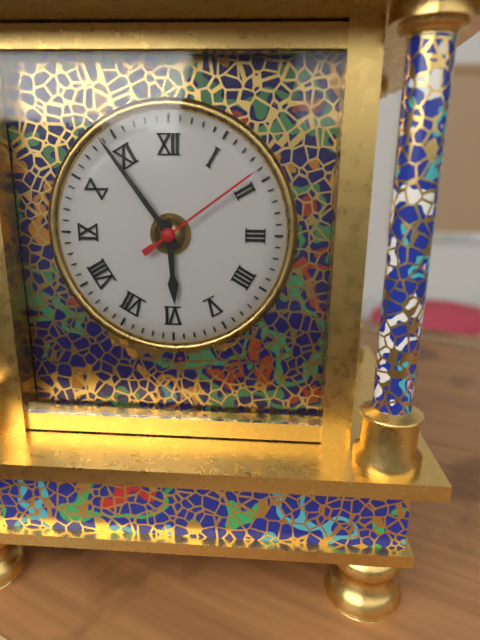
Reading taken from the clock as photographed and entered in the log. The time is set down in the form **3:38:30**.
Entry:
**5:54:09**
